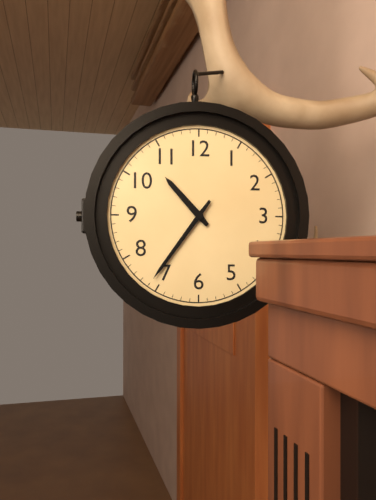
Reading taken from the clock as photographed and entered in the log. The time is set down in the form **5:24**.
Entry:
**10:36**
